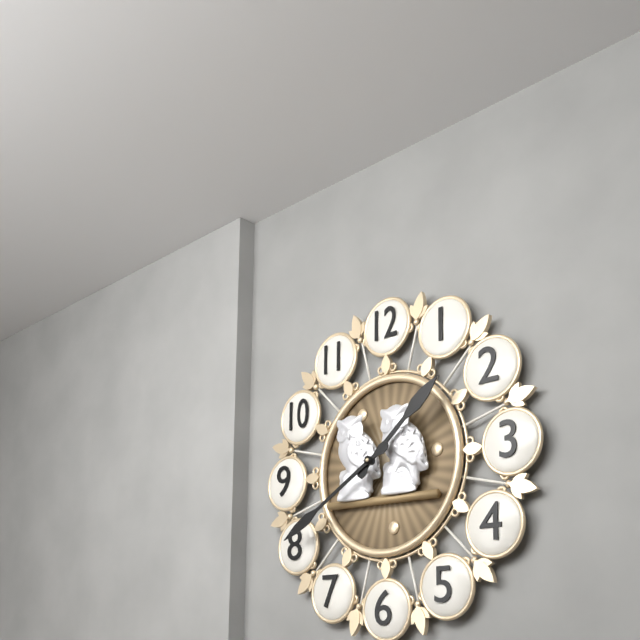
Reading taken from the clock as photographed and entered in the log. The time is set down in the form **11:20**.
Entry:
**1:40**
